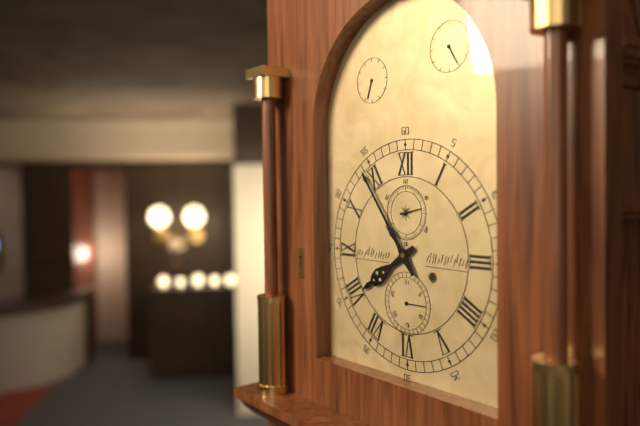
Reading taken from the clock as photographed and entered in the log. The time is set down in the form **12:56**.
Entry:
**7:54**
